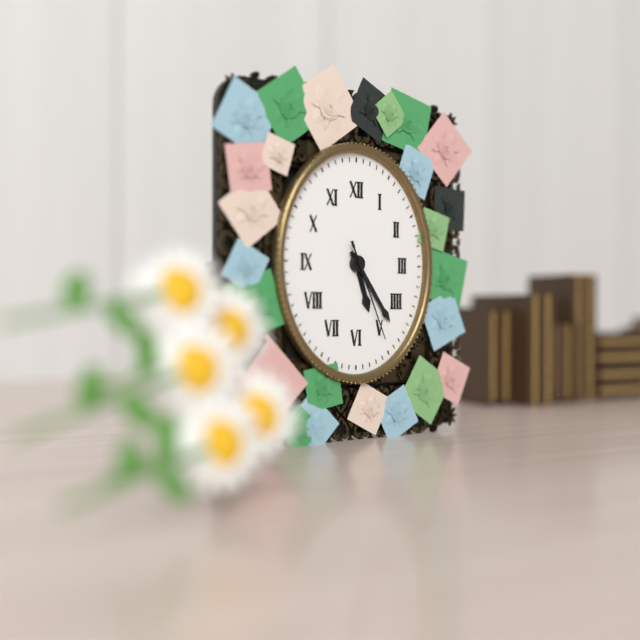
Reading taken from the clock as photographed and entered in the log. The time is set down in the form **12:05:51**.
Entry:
**5:24:26**
